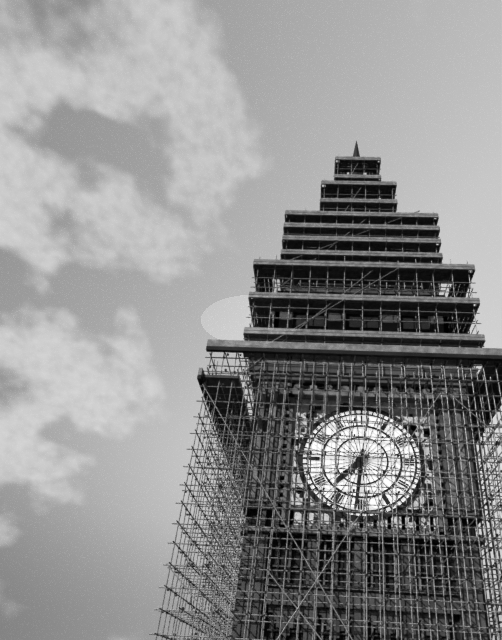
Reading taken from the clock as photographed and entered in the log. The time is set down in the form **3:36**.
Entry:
**7:31**
